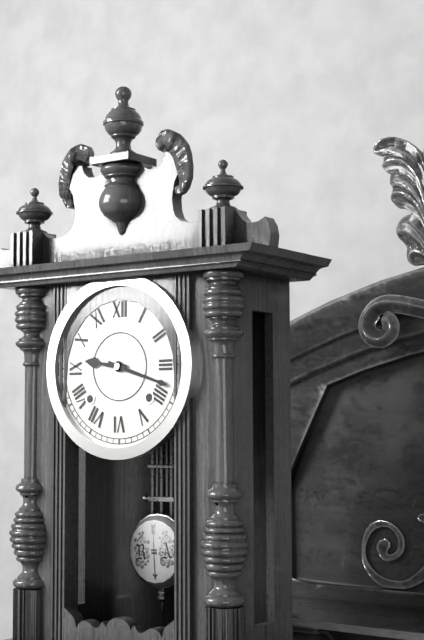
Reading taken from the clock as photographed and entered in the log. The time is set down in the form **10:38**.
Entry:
**9:18**
